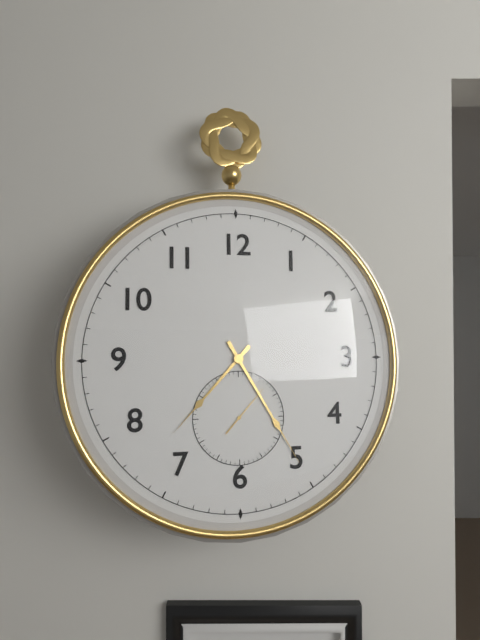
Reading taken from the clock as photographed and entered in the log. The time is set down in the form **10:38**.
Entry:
**7:25**
